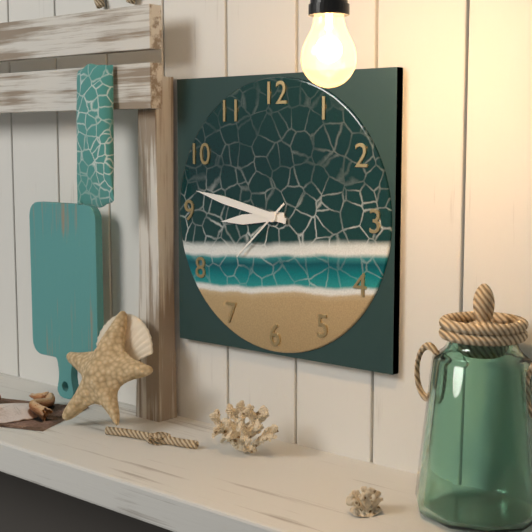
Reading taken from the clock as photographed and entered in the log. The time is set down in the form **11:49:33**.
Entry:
**8:47:38**
